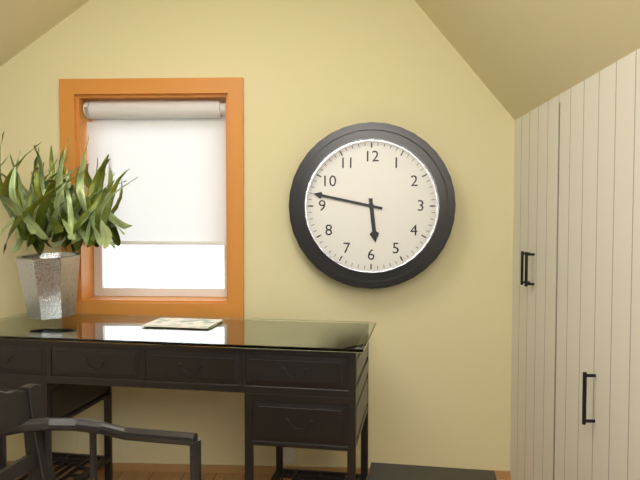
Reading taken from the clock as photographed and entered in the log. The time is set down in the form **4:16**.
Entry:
**5:47**
